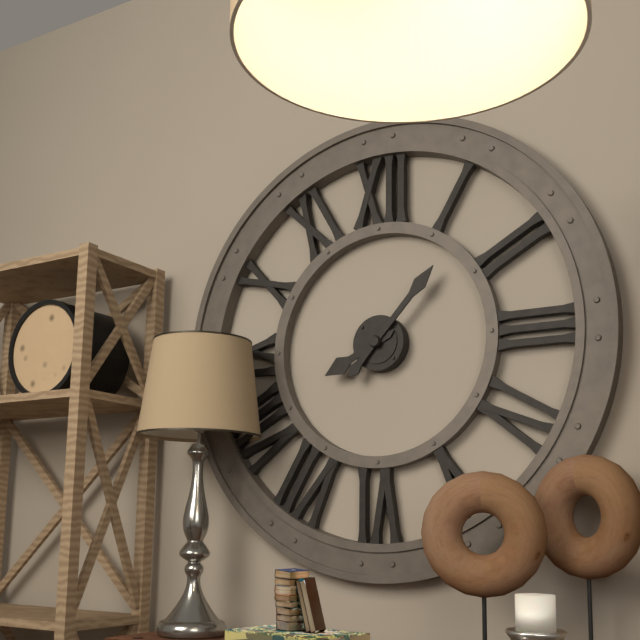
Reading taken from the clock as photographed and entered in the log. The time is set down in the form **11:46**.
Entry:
**8:07**
